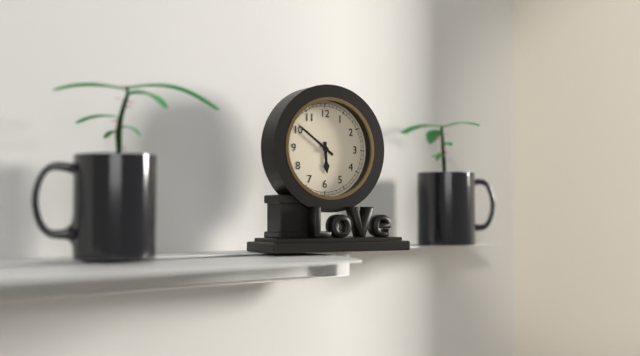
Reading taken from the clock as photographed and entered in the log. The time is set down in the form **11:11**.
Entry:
**5:51**
